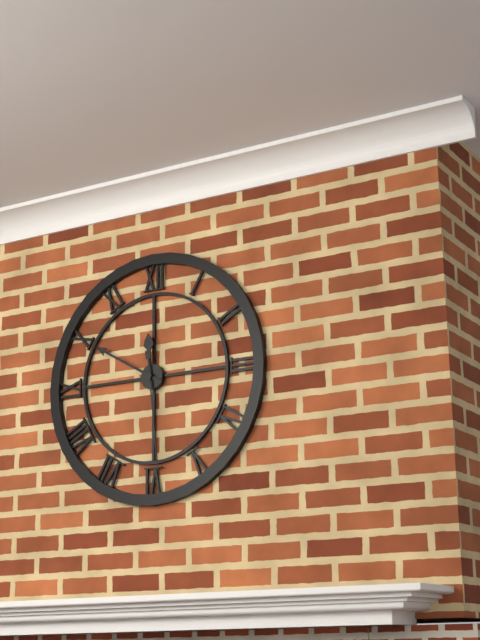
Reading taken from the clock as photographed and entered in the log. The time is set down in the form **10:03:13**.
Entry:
**11:50:29**
